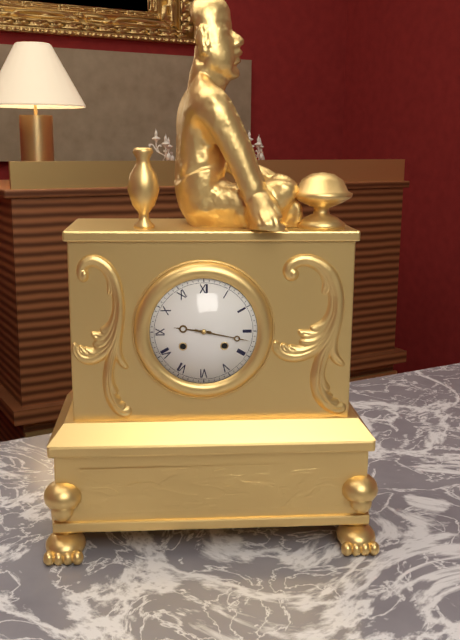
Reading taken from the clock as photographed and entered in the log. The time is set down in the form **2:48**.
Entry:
**9:17**
